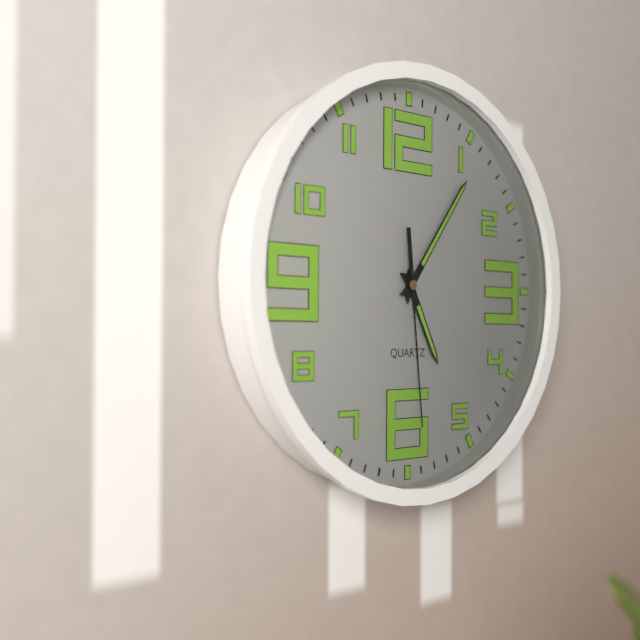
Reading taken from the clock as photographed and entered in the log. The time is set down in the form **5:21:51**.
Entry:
**5:06:29**
